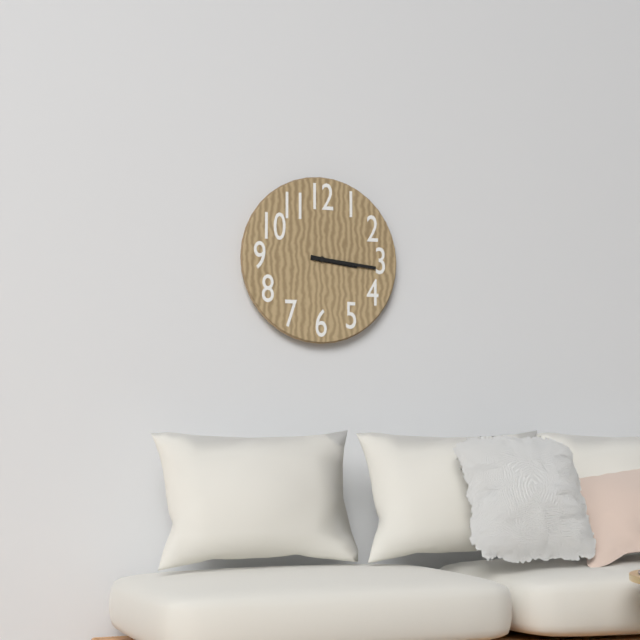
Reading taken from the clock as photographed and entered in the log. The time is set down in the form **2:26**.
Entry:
**3:16**
